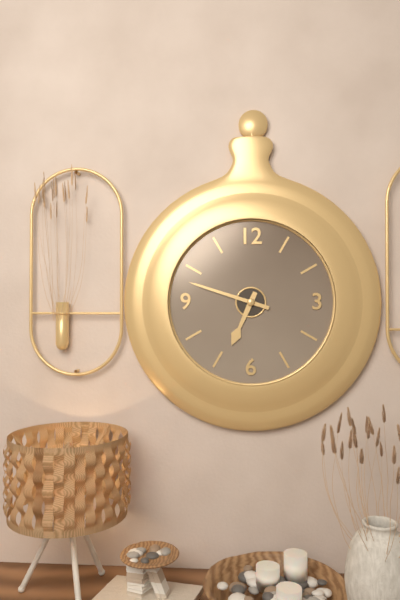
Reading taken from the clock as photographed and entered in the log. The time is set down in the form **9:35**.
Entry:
**6:48**
